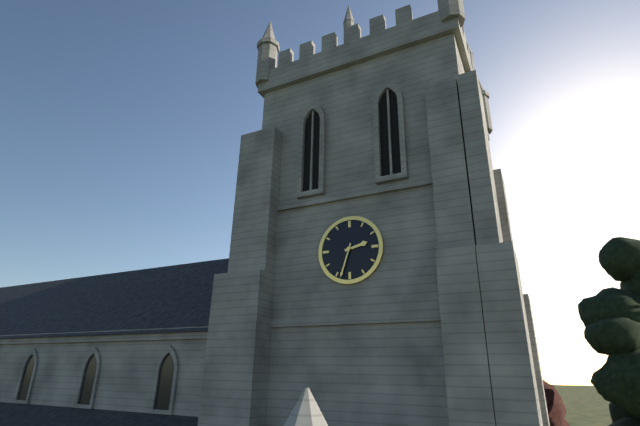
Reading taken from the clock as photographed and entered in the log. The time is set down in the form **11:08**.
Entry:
**2:33**
